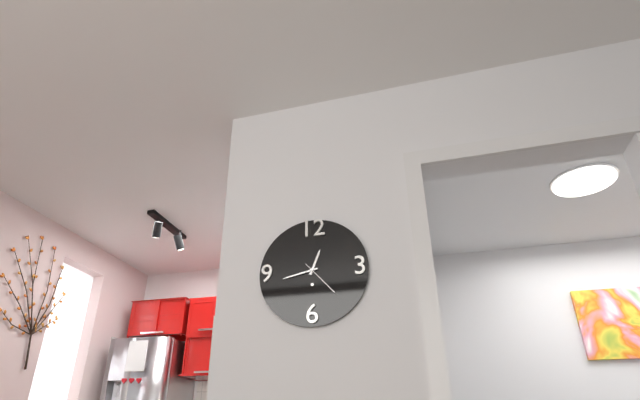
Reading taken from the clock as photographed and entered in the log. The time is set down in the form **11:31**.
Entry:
**12:43**
